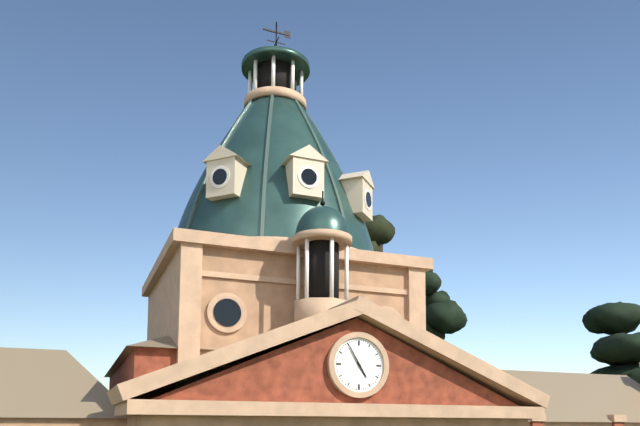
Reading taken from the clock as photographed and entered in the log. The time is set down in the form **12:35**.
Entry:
**4:55**
